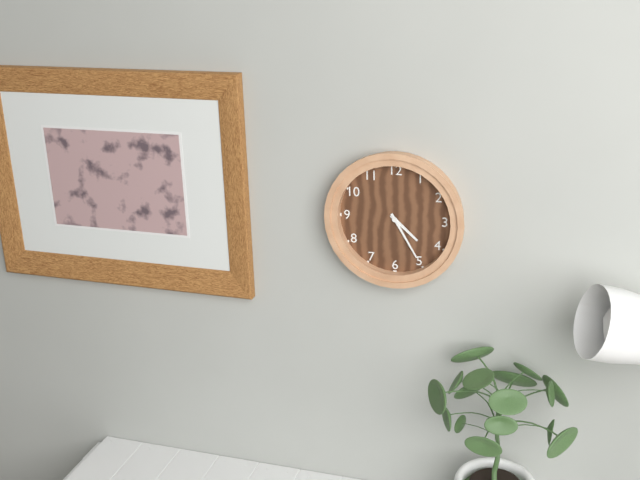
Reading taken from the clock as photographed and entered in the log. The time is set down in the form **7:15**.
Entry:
**4:25**
